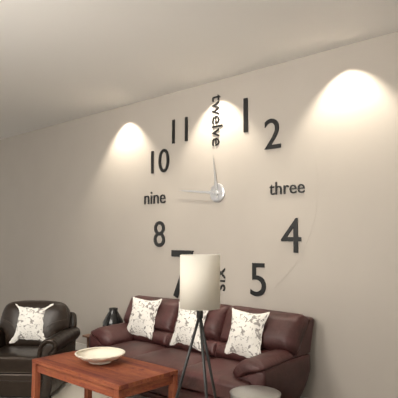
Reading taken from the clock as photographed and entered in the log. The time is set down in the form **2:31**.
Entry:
**11:46**
